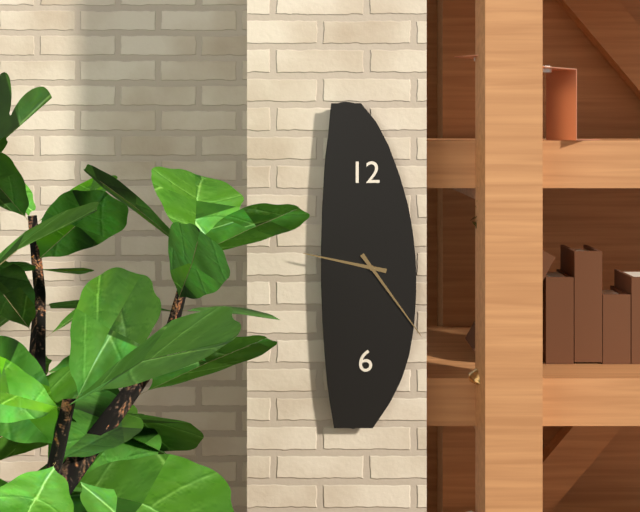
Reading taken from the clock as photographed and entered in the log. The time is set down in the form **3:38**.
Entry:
**9:24**
